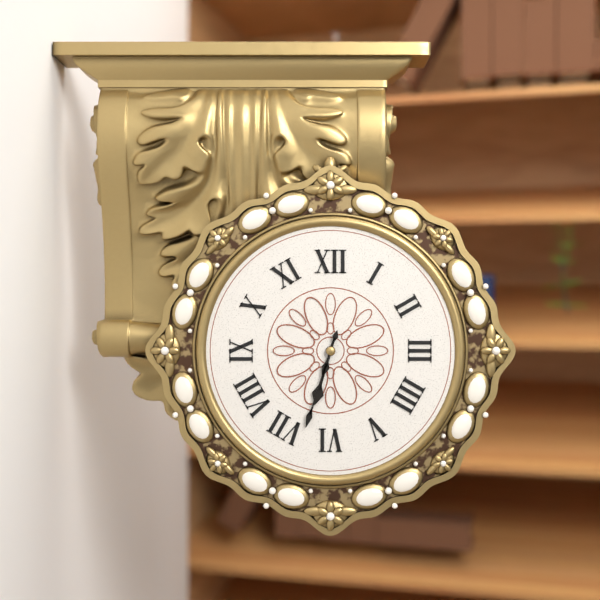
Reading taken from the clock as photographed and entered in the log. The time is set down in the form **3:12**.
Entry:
**6:33**
